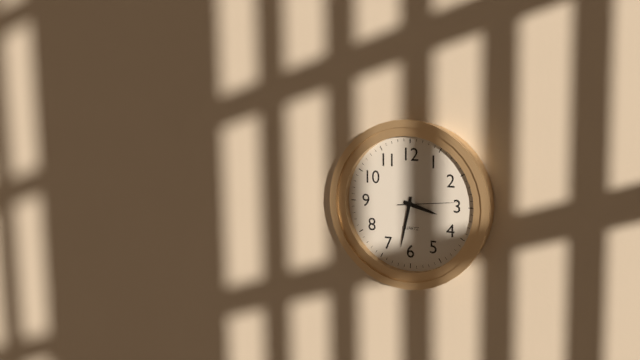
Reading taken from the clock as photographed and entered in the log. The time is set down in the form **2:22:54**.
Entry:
**3:32:14**
